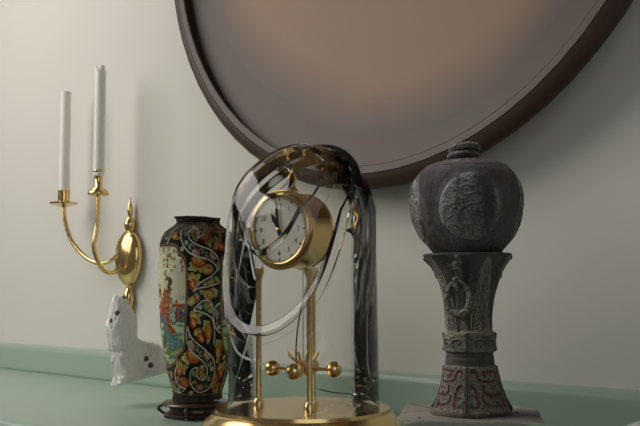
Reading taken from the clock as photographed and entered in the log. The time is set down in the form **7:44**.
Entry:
**10:59**
